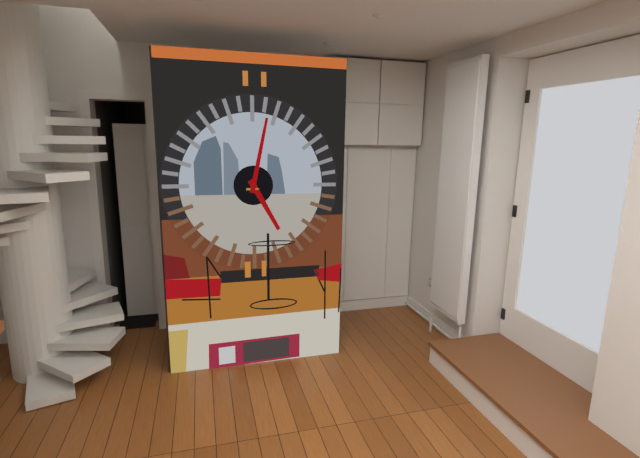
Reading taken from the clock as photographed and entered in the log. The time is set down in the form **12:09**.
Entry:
**5:02**
